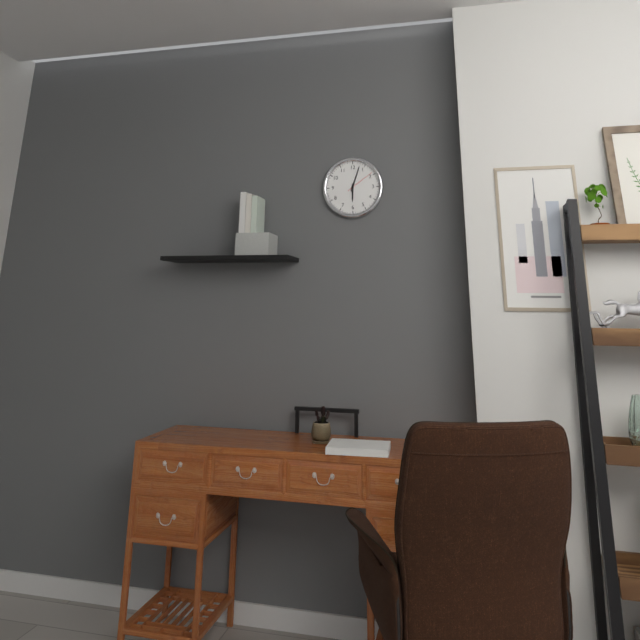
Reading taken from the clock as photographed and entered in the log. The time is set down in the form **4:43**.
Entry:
**6:03**
